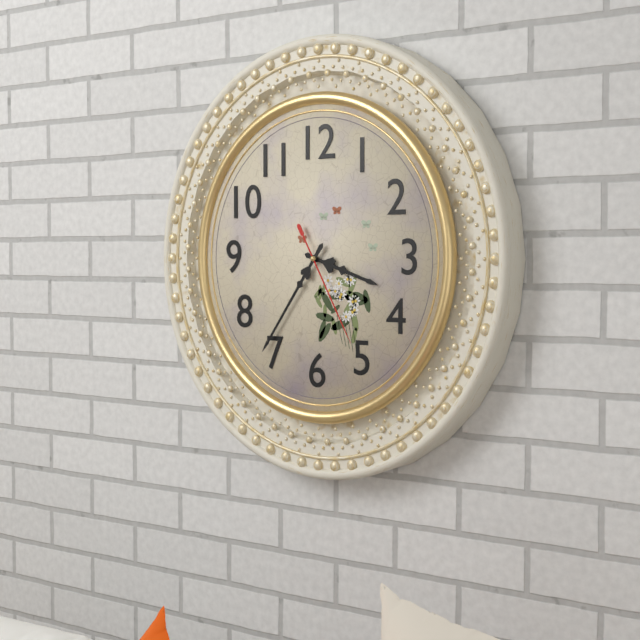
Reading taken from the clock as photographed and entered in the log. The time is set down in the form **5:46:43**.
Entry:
**3:36:25**
